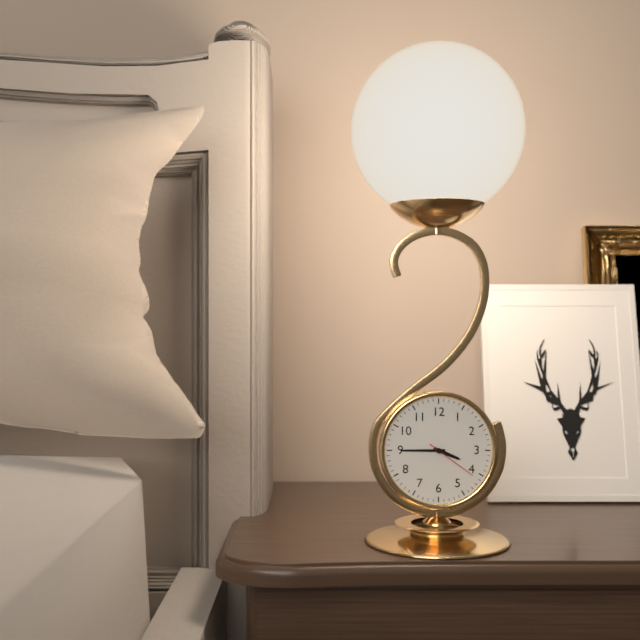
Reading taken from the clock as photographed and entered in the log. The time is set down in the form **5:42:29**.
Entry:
**3:45:21**
